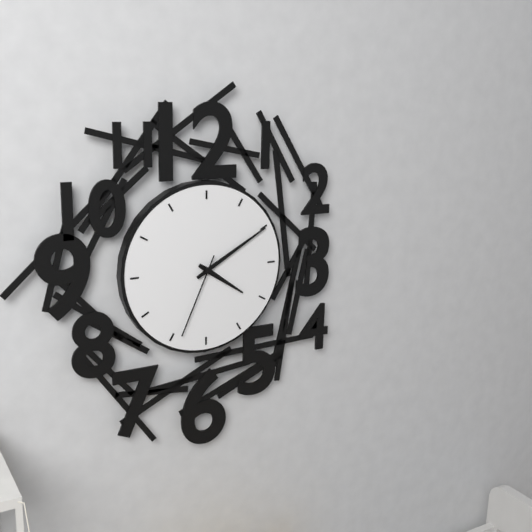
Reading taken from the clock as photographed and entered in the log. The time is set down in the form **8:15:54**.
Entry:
**4:10:34**
